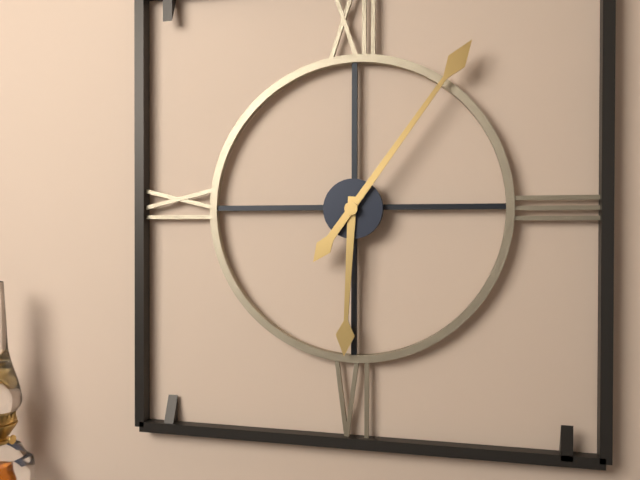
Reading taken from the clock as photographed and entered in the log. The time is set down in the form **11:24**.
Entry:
**6:06**
